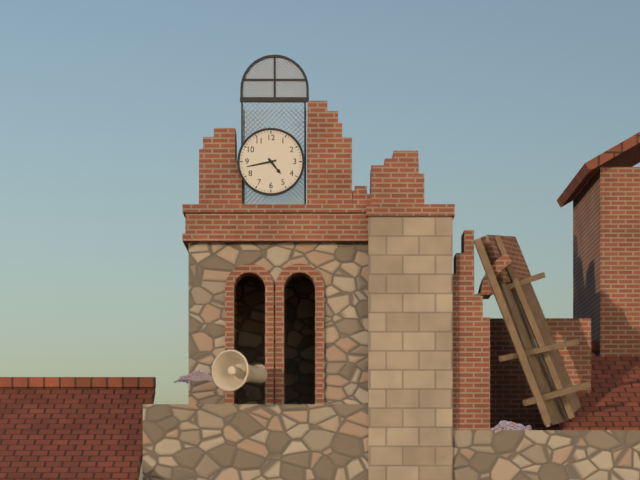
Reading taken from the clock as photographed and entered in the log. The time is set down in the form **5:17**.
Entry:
**4:43**
